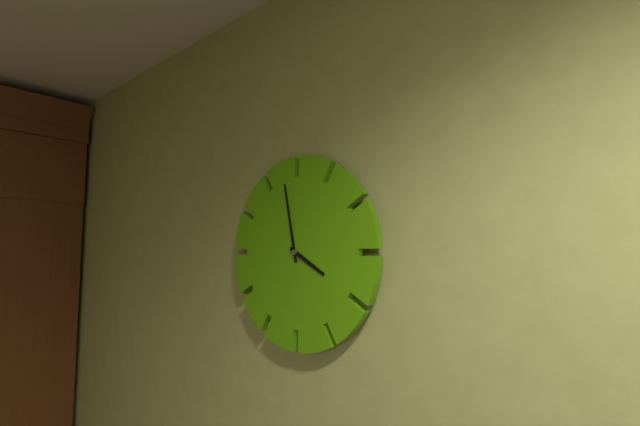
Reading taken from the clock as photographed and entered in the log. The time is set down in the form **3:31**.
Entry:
**3:58**
